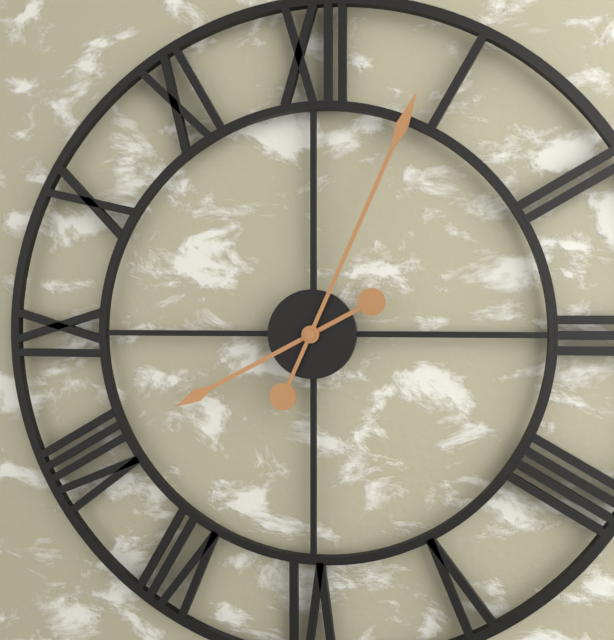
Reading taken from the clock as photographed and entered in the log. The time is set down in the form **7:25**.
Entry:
**8:04**
